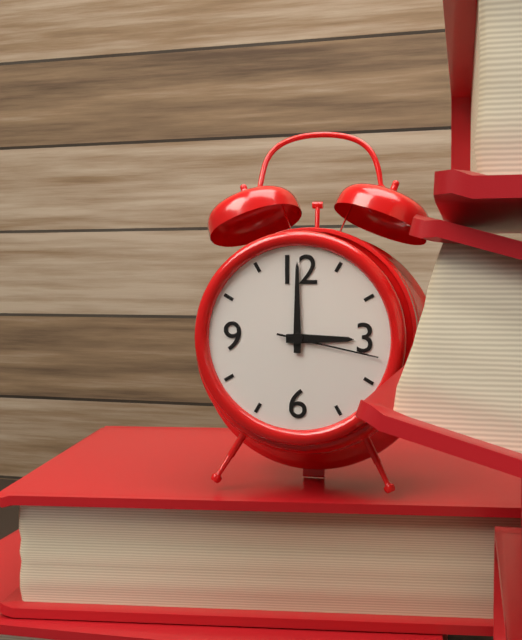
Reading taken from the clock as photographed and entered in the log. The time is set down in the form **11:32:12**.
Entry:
**3:00:17**
